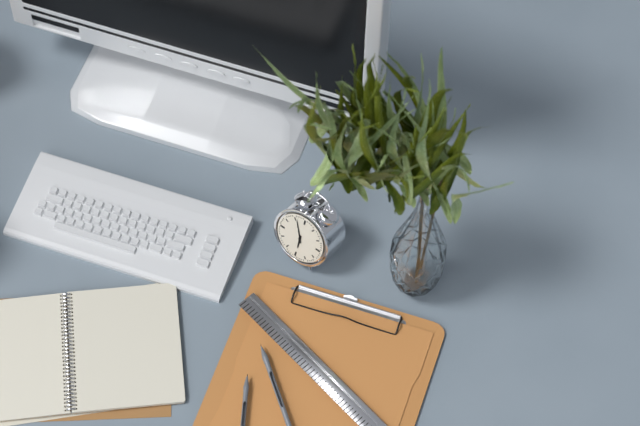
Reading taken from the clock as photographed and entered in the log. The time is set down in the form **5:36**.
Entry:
**5:56**
